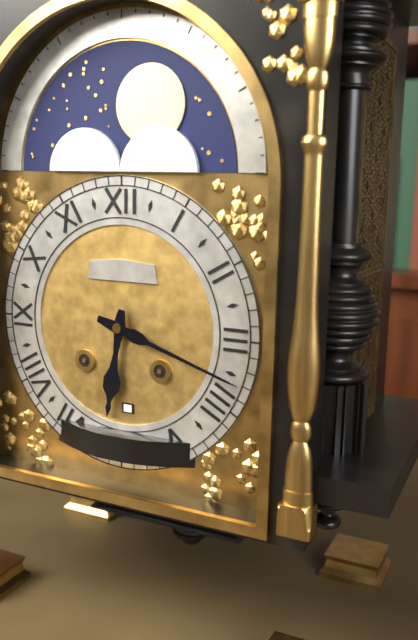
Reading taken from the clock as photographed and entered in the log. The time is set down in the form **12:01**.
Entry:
**6:18**
